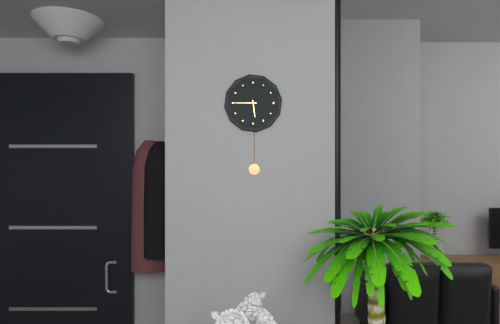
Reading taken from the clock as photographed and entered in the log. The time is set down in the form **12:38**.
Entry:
**5:45**
